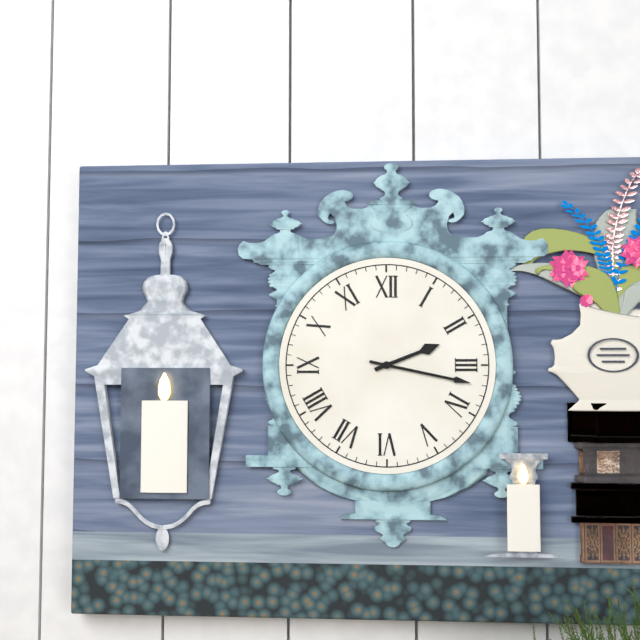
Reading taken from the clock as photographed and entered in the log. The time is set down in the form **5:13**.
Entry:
**2:17**
